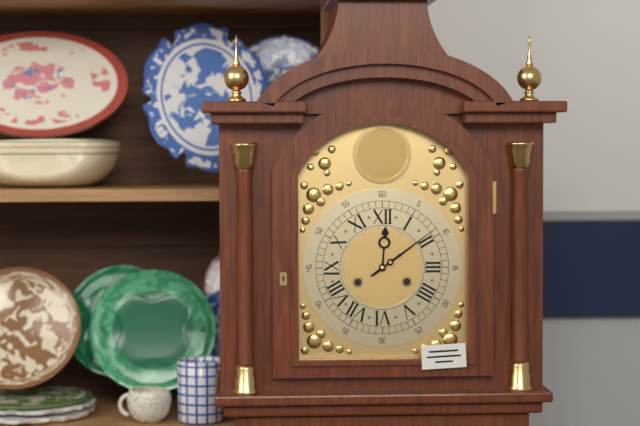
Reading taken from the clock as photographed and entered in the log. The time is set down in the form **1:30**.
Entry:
**12:09**
